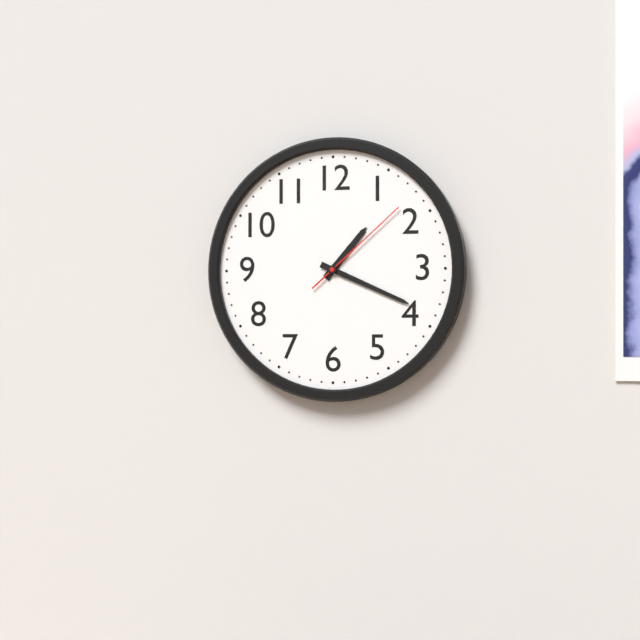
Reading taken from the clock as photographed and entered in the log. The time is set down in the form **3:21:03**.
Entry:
**1:19:08**
